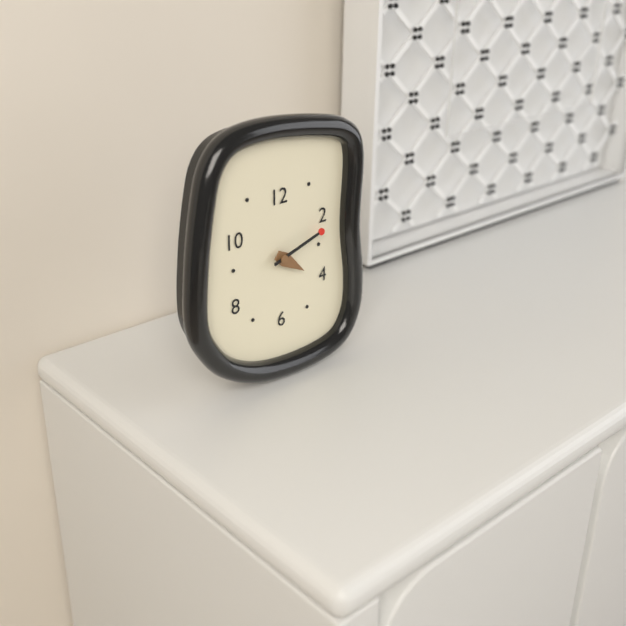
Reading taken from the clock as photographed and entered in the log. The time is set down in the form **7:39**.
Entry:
**4:12**
